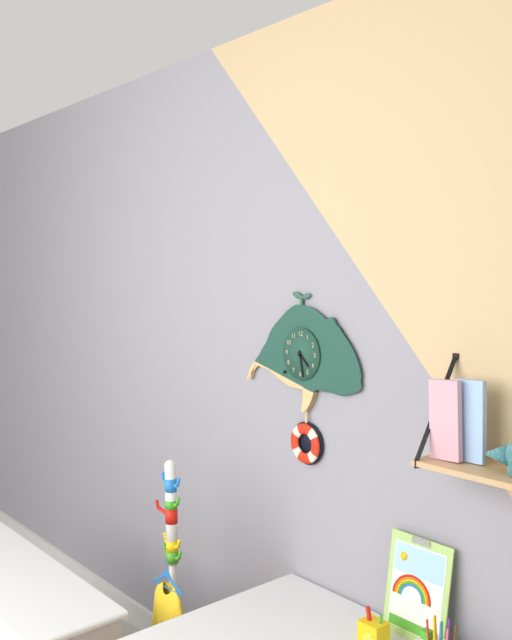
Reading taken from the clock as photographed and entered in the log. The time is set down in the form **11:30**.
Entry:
**4:28**
